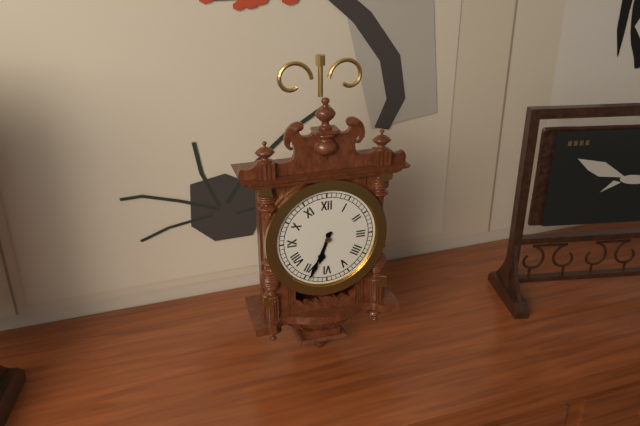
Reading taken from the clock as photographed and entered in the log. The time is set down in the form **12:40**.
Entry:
**6:34**
